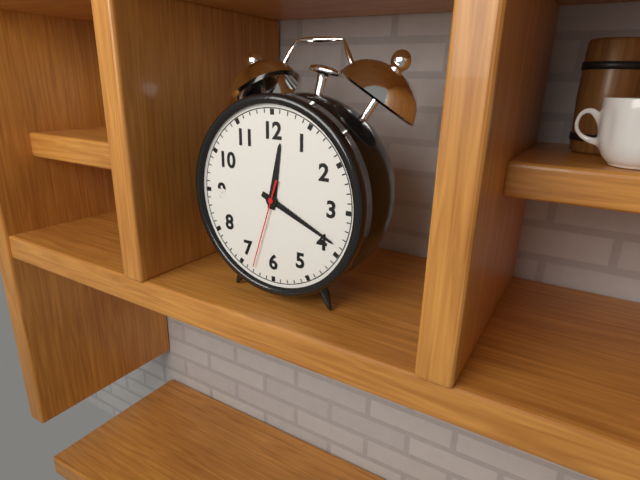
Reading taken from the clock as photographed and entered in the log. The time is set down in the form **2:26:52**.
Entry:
**12:19:33**
